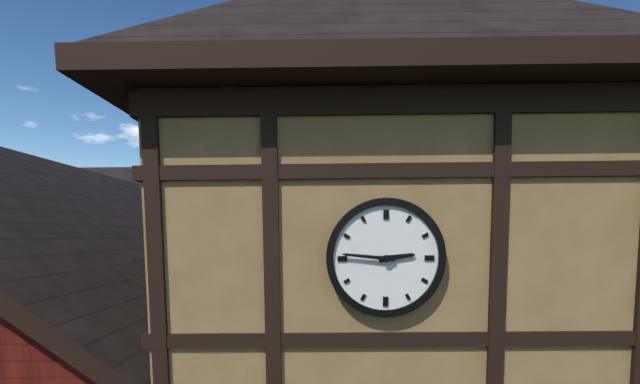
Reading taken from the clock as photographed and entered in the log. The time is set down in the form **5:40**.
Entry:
**2:46**
